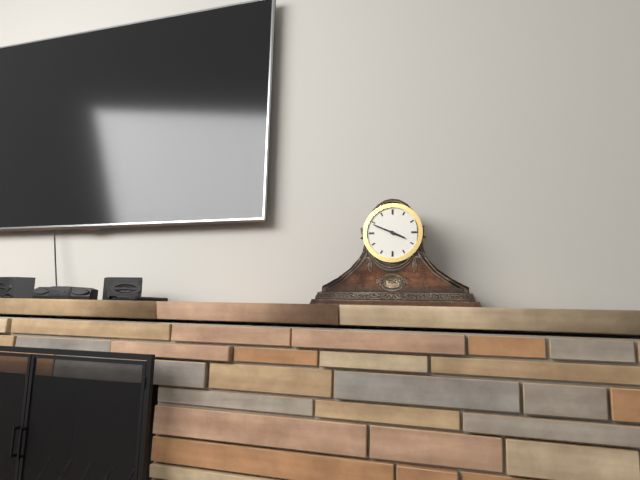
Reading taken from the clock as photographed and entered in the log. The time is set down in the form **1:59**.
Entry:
**3:49**
